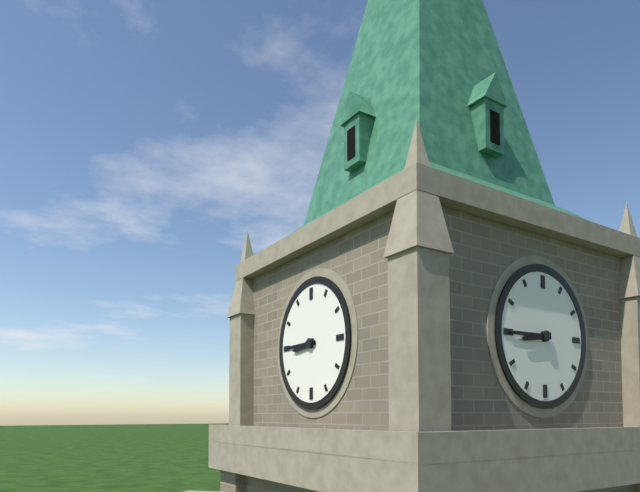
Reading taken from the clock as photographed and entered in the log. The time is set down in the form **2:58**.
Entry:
**8:45**
